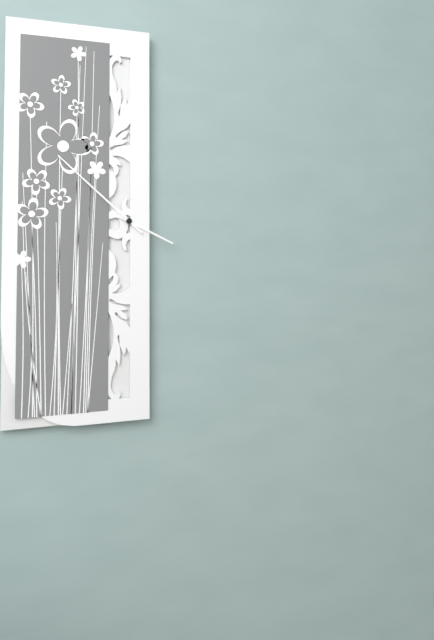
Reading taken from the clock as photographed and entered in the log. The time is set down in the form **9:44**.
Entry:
**3:52**
